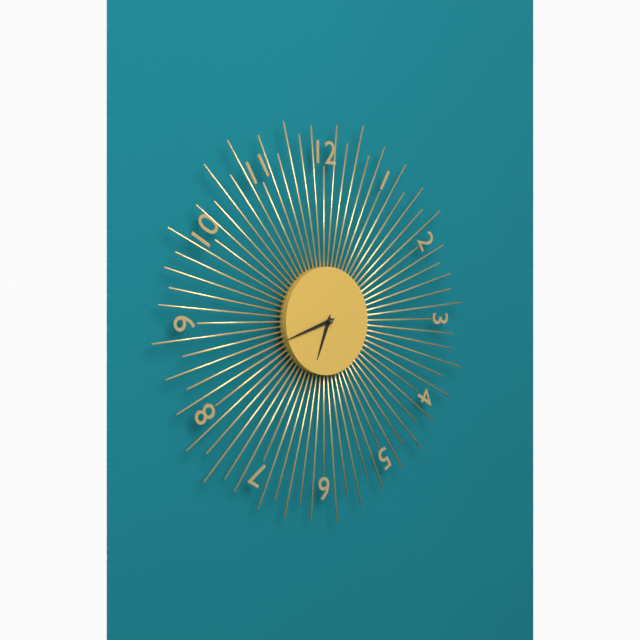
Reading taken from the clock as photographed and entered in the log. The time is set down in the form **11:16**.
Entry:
**6:42**
